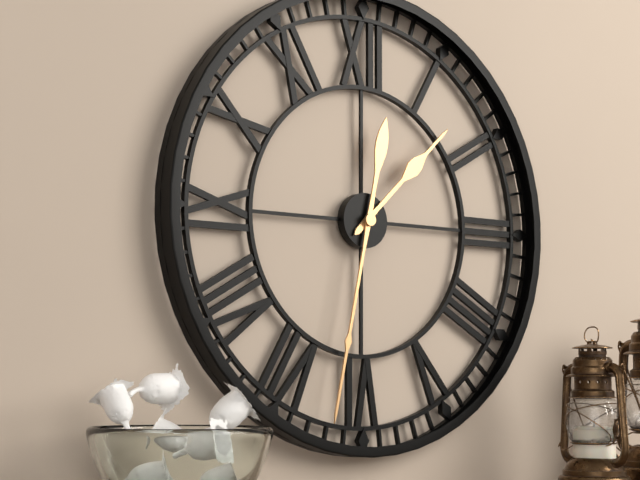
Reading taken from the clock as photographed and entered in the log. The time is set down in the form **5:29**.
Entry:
**1:32**
